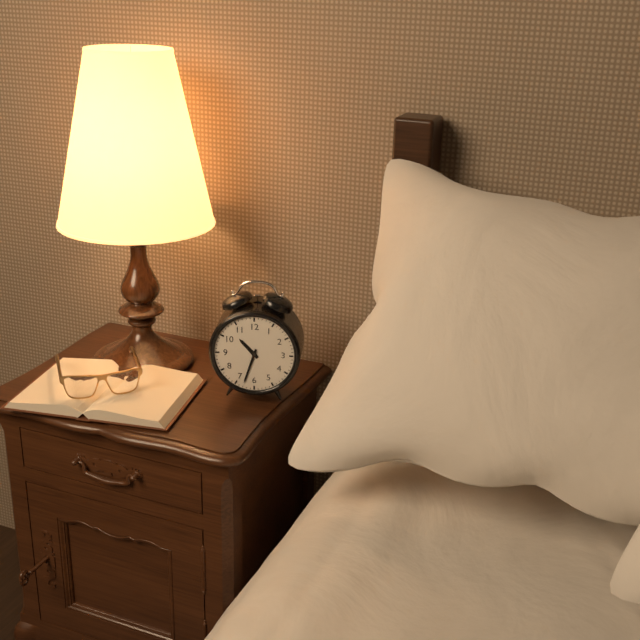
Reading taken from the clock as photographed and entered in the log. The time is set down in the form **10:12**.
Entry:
**10:33**
